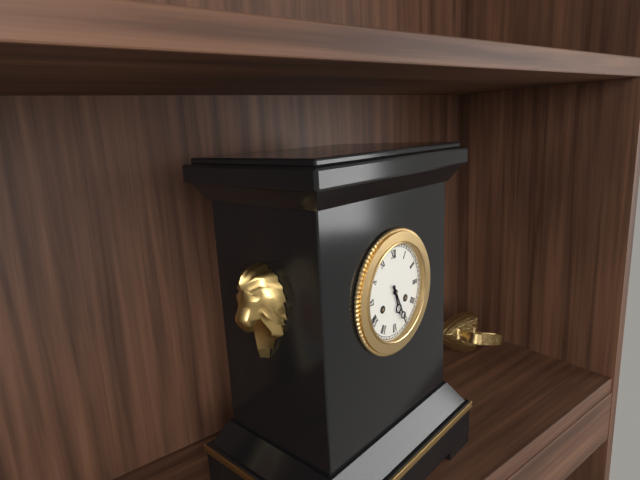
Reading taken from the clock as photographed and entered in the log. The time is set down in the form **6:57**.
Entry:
**5:26**
